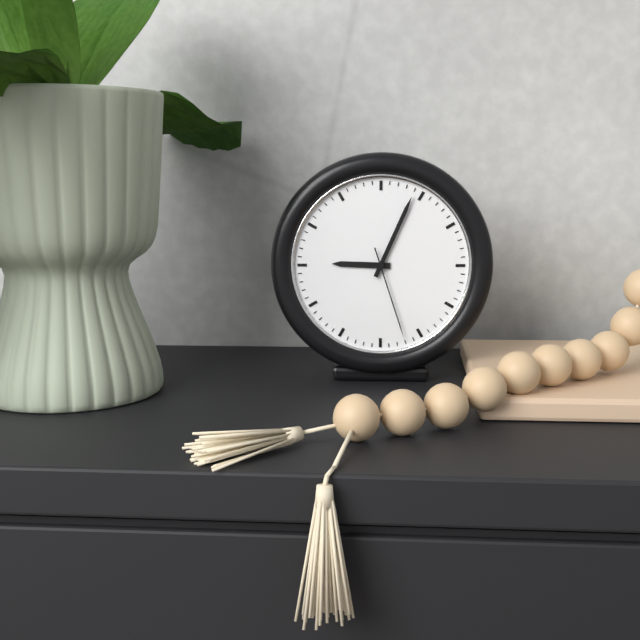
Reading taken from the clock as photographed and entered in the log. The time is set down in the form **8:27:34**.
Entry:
**9:04:27**
